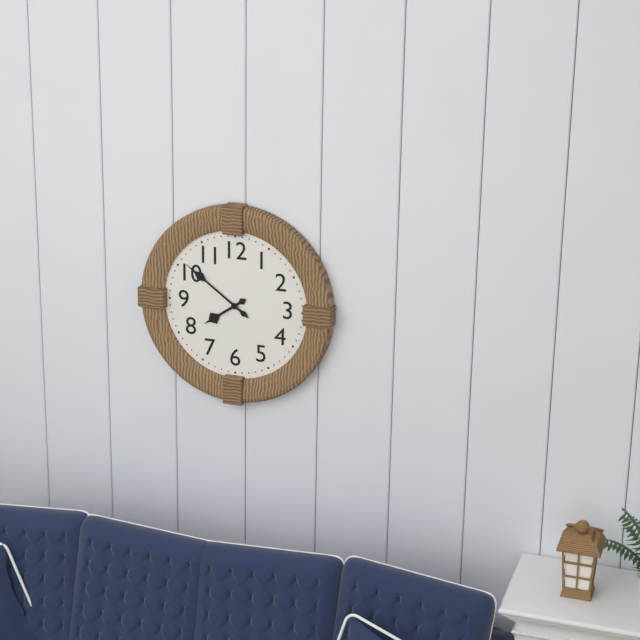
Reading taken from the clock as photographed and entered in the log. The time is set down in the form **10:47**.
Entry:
**7:51**
